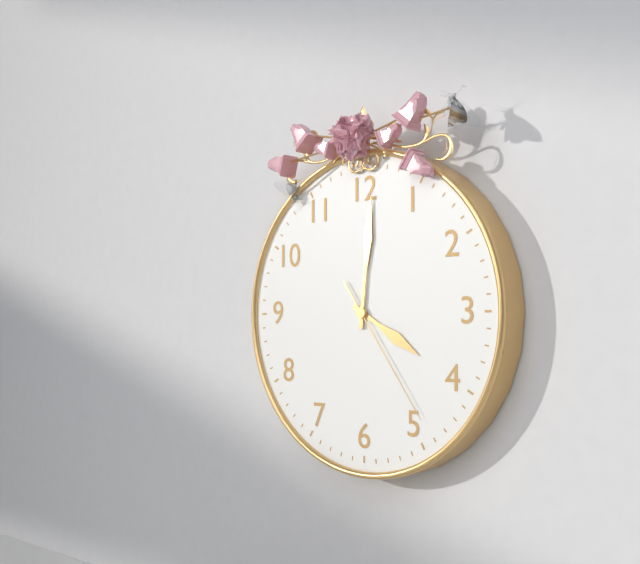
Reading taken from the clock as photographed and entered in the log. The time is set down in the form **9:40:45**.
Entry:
**4:01:24**
